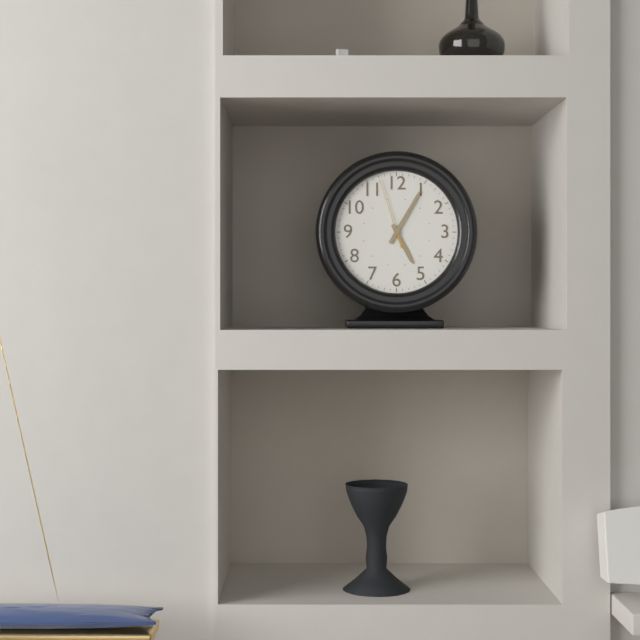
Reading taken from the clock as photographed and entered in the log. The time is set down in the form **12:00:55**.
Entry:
**5:05:57**
